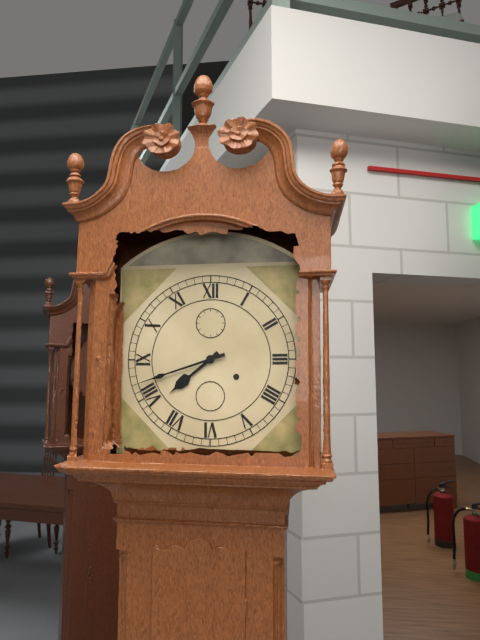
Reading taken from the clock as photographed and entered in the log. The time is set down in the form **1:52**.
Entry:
**7:42**
